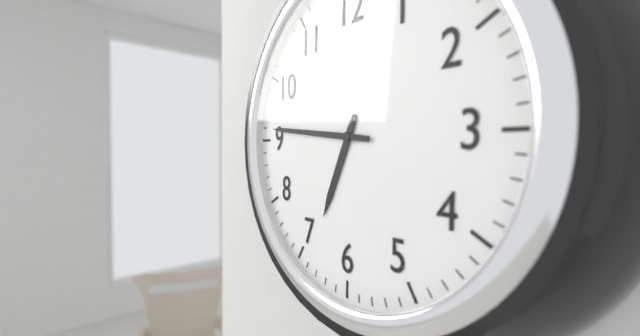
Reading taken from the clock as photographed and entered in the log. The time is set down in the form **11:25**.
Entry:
**6:46**
